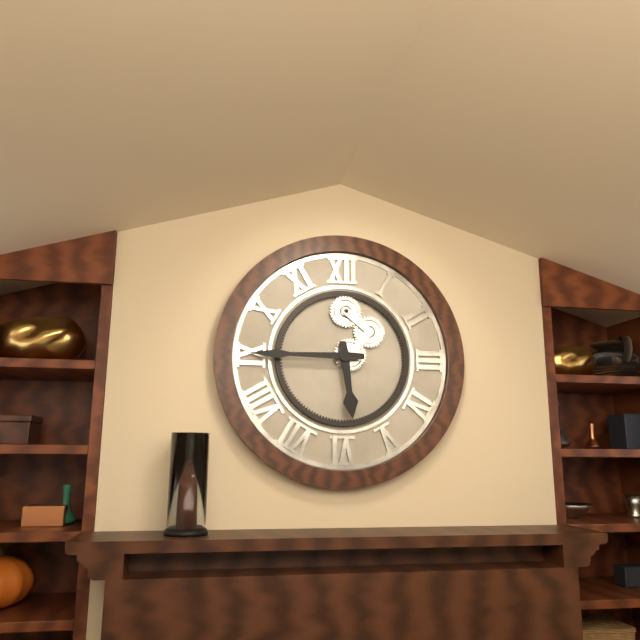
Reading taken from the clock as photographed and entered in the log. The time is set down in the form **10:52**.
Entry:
**5:45**
